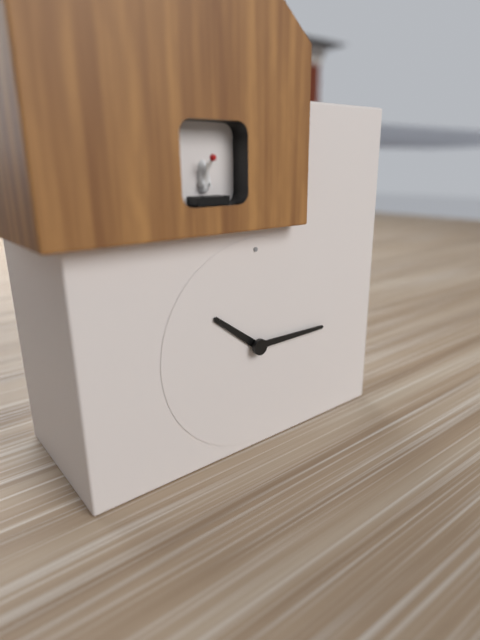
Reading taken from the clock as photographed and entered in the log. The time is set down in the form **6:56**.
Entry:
**10:15**
